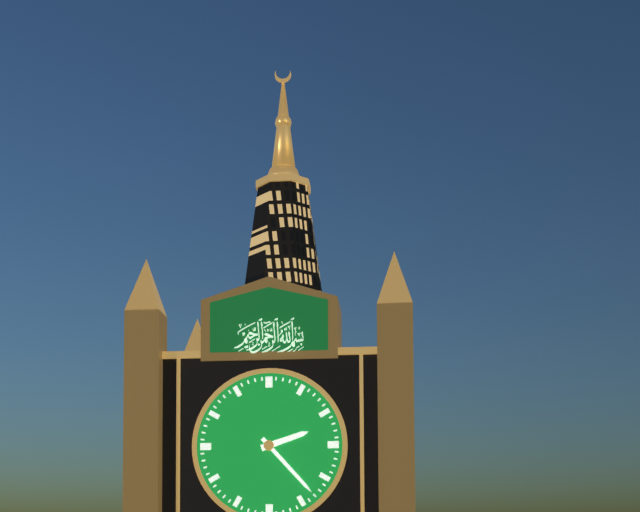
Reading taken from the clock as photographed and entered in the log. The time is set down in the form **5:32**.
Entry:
**2:23**
